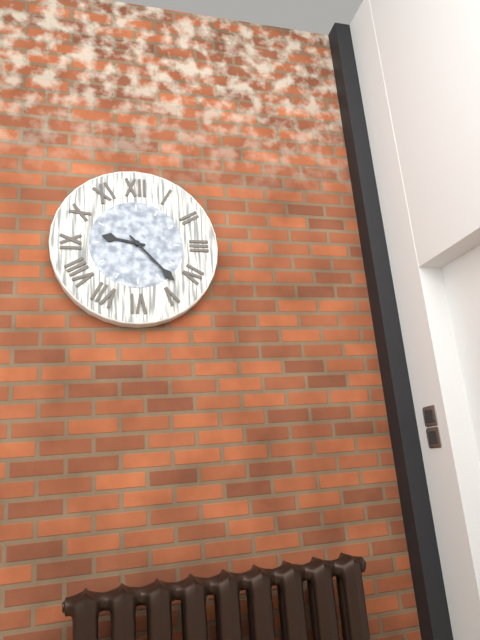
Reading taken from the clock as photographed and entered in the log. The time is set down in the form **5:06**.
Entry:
**9:23**
